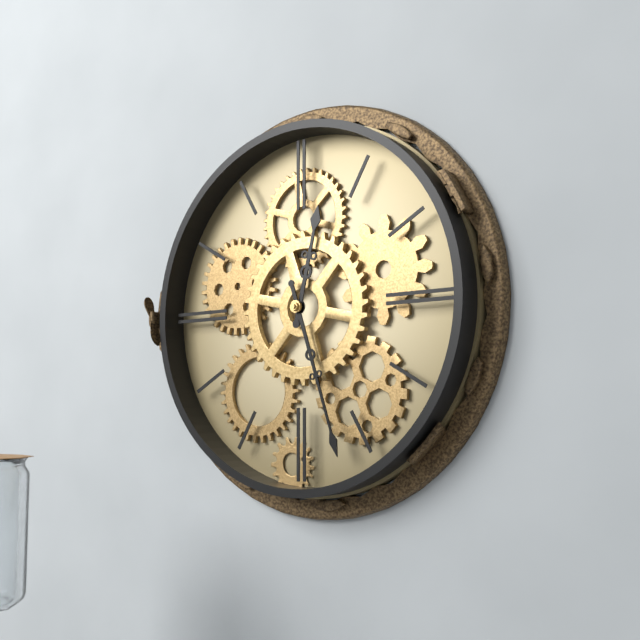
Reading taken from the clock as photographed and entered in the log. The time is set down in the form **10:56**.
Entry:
**12:27**
